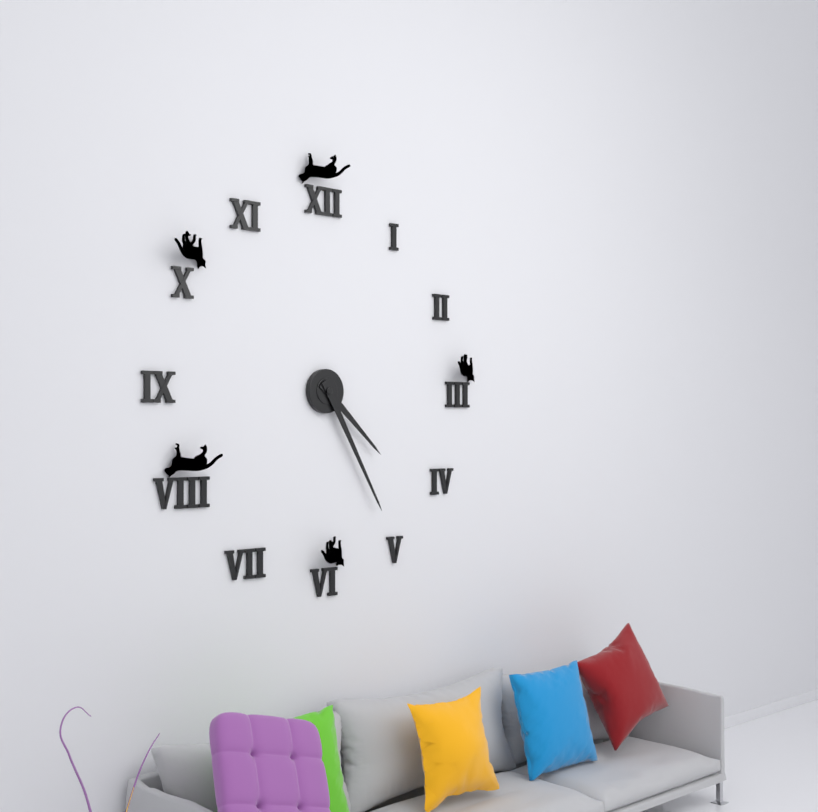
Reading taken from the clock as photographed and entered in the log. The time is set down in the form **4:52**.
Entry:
**4:25**
